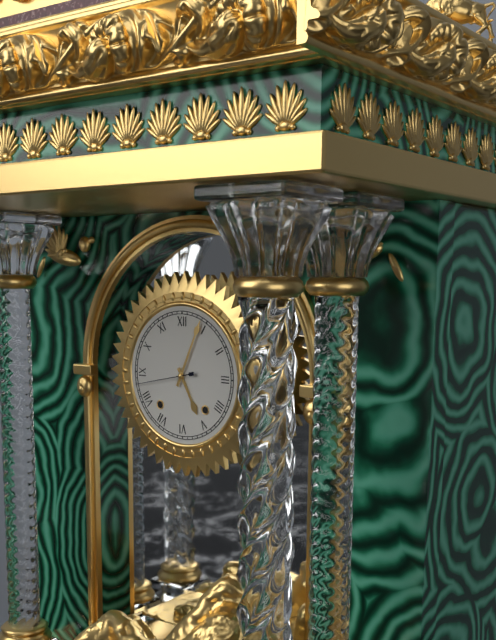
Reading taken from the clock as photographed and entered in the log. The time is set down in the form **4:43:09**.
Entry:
**5:04:43**
